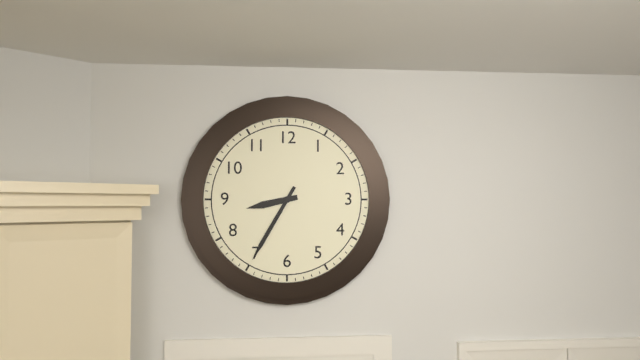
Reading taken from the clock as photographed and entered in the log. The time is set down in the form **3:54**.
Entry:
**8:35**
